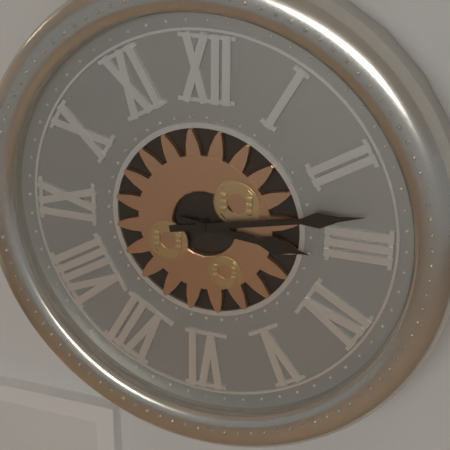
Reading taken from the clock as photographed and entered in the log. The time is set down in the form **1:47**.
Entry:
**3:13**
